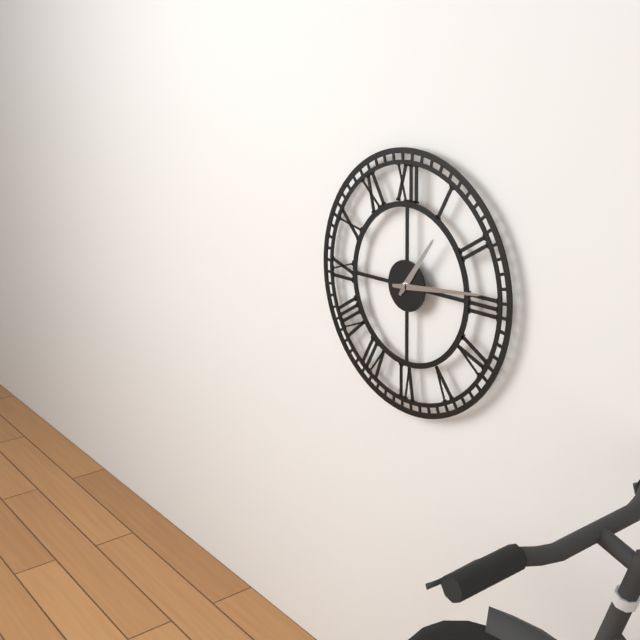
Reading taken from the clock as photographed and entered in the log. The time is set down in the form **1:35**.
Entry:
**1:14**
